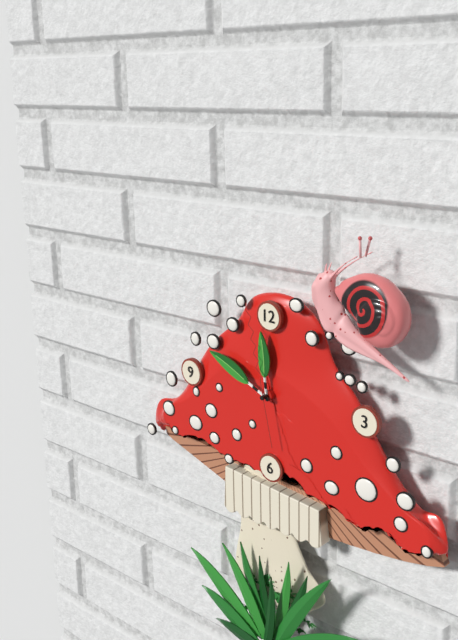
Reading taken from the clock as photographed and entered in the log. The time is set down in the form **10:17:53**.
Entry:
**11:49:58**
